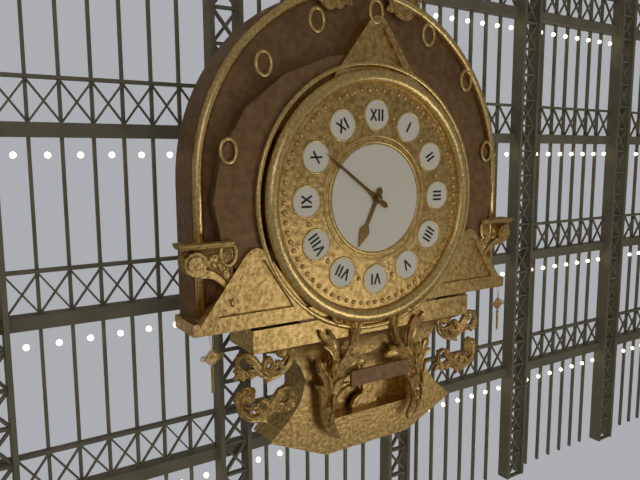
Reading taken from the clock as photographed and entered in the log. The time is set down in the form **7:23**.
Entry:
**6:51**
